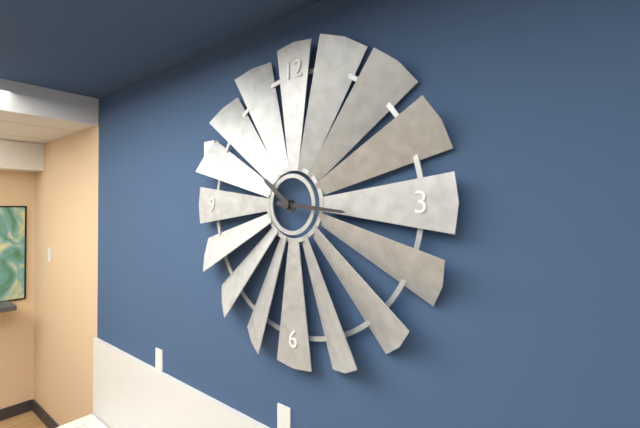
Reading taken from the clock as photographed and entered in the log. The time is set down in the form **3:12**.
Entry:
**10:16**
